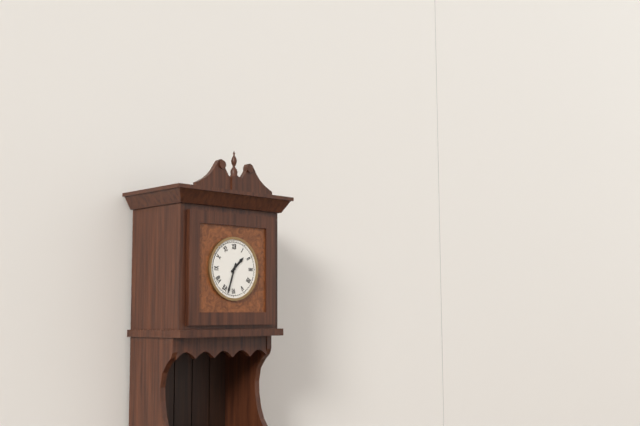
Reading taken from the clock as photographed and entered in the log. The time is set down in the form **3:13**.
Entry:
**1:33**
